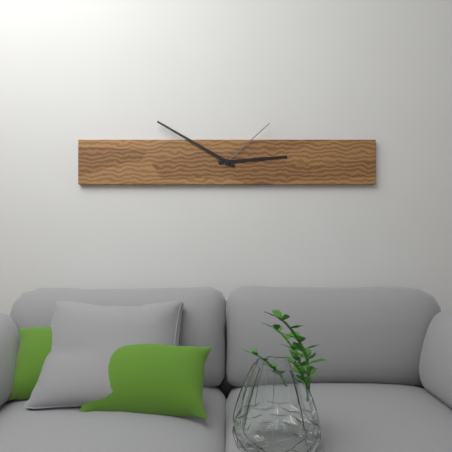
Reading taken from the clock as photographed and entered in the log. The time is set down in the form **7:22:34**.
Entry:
**2:50:08**
